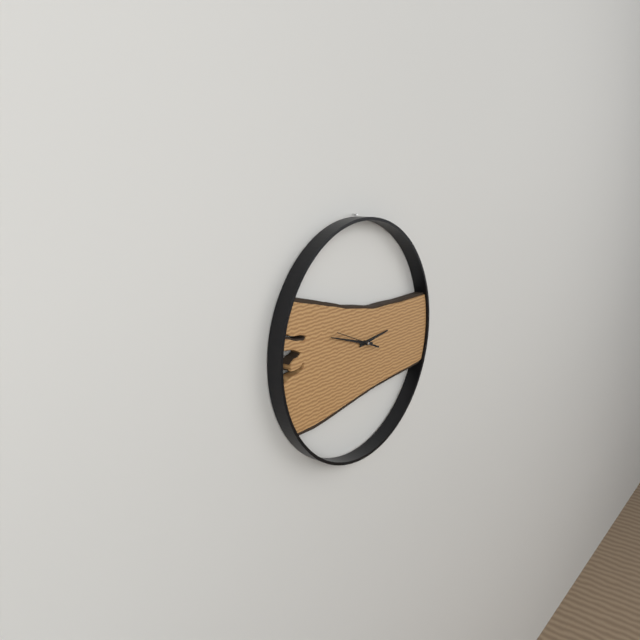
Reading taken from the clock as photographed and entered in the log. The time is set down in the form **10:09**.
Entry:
**2:48**
